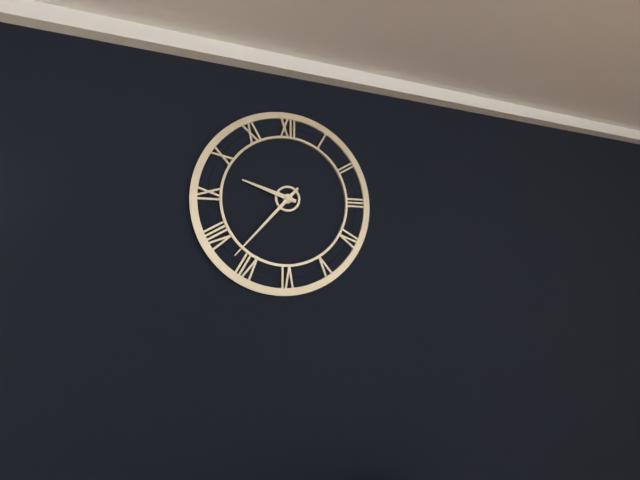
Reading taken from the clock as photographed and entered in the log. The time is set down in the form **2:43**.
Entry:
**9:37**
